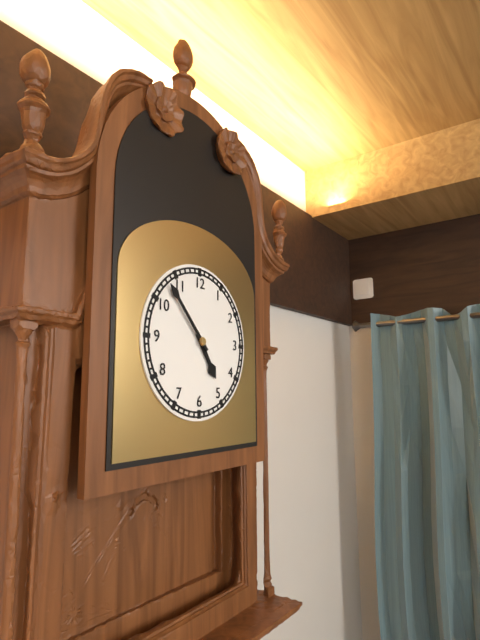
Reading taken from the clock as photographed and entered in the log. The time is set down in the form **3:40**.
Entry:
**4:53**
